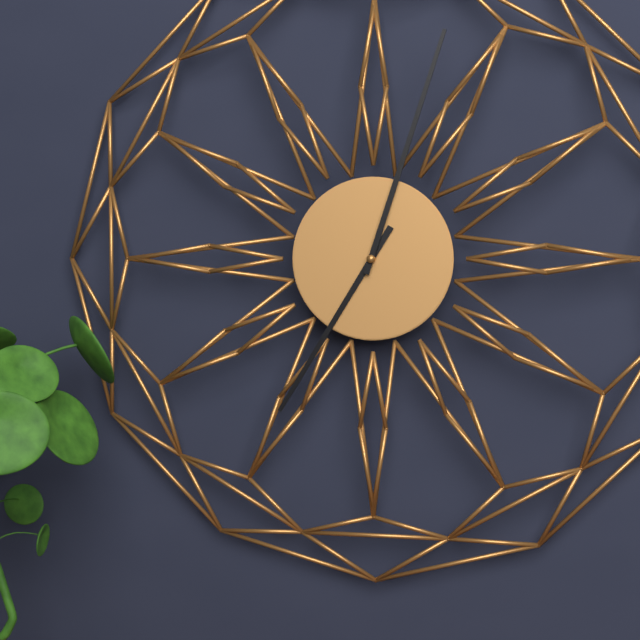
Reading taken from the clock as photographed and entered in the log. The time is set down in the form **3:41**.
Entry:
**7:03**
